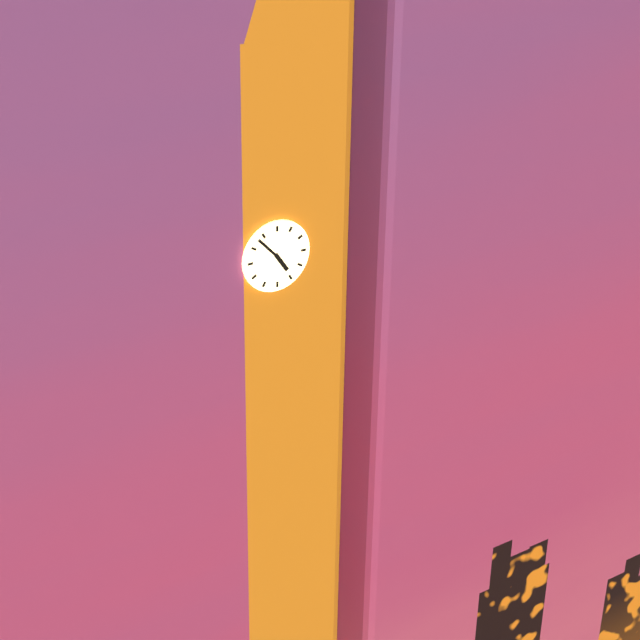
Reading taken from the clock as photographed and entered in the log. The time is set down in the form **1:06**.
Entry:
**4:53**
